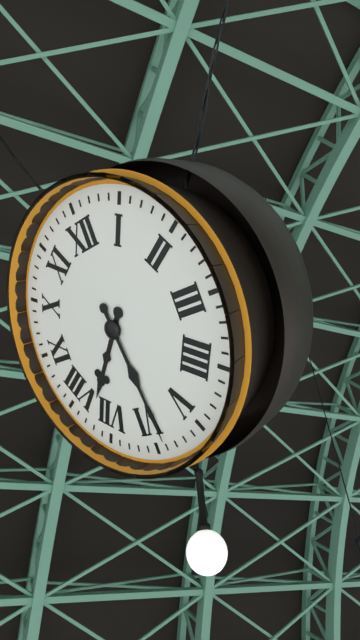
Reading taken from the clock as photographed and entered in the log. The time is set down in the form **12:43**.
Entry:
**7:29**
